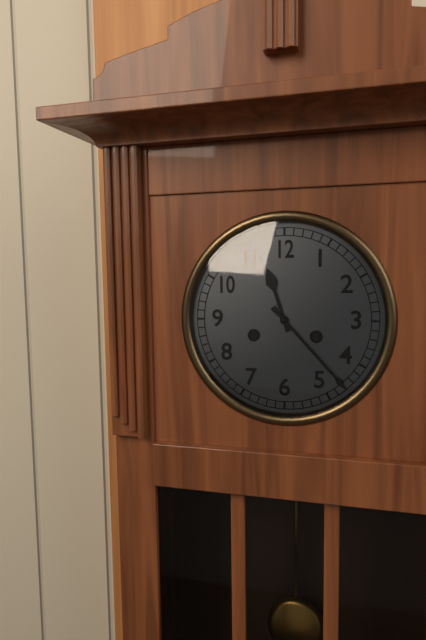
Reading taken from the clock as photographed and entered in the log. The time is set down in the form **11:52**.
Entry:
**11:23**
